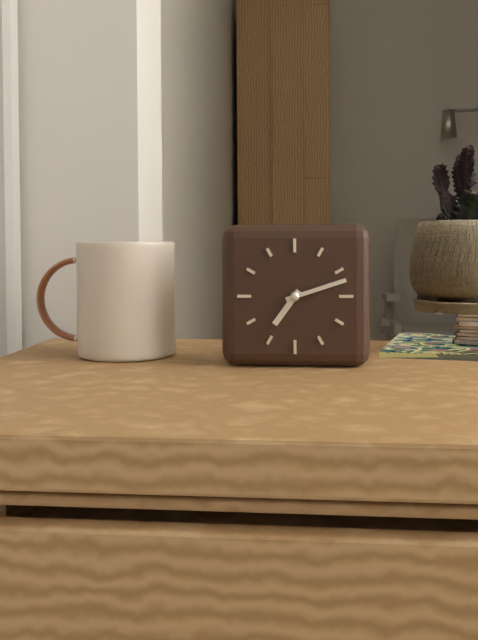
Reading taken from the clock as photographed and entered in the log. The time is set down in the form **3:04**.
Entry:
**7:12**
